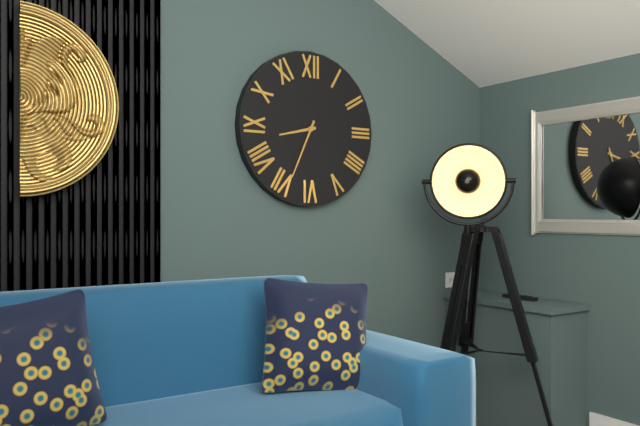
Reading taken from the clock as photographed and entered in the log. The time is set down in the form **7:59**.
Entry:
**8:34**
